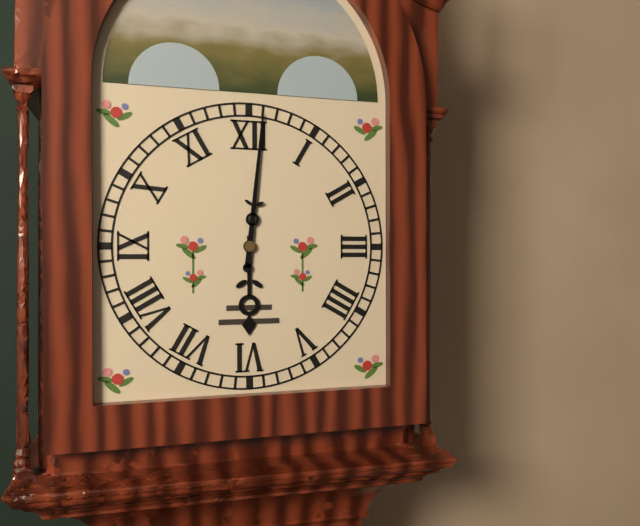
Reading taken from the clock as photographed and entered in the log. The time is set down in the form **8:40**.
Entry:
**6:01**
